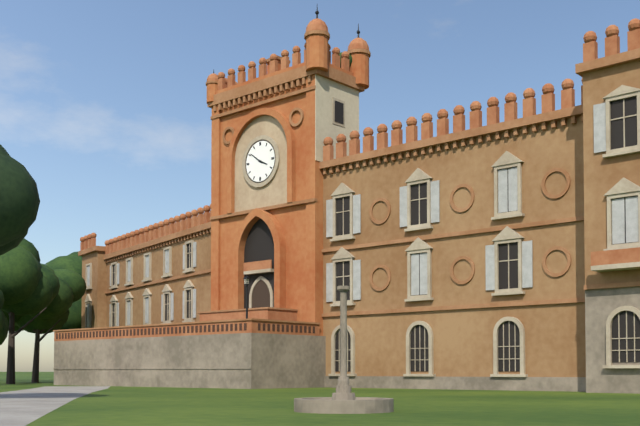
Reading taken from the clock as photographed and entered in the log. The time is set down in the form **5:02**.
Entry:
**3:51**
